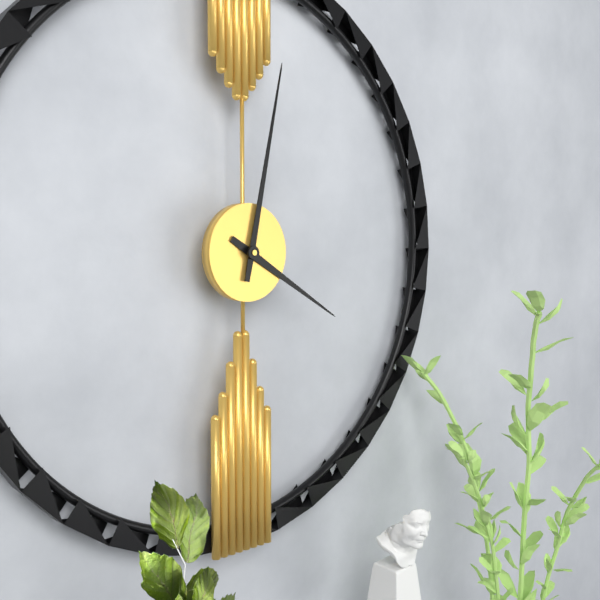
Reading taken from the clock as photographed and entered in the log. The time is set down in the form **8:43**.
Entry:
**4:02**
